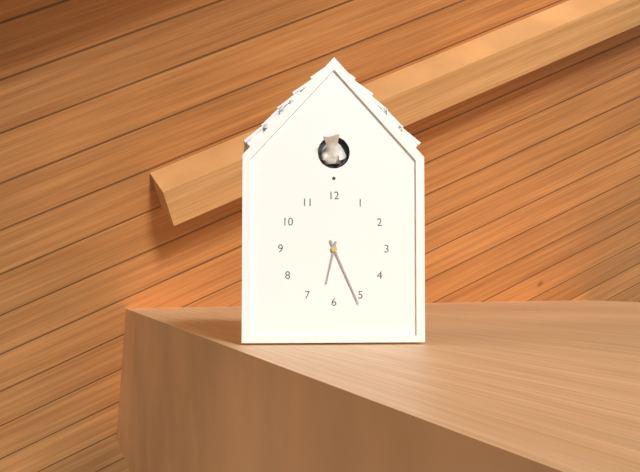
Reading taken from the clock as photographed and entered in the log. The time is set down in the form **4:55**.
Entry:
**6:26**
